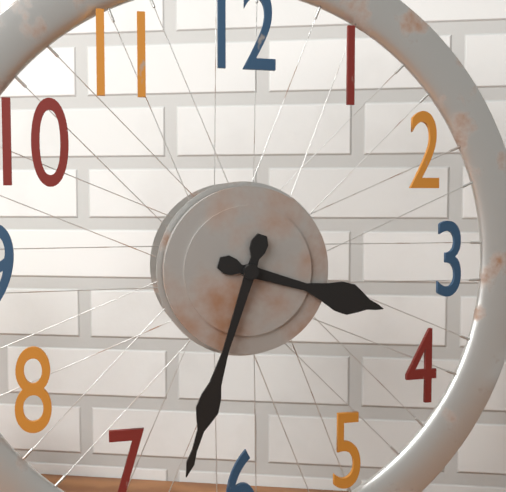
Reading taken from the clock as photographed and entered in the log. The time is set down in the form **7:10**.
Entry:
**3:33**
